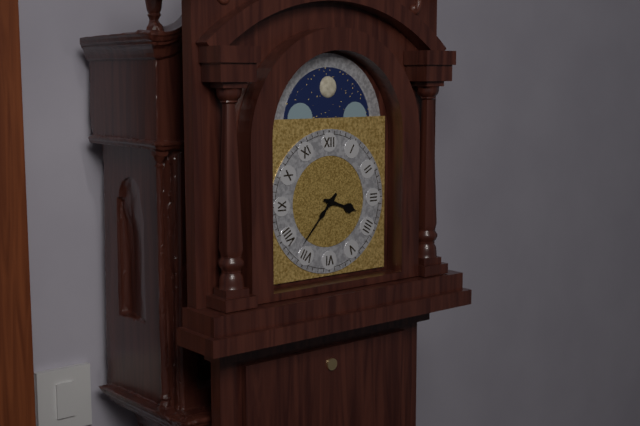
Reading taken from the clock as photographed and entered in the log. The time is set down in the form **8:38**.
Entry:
**3:37**
